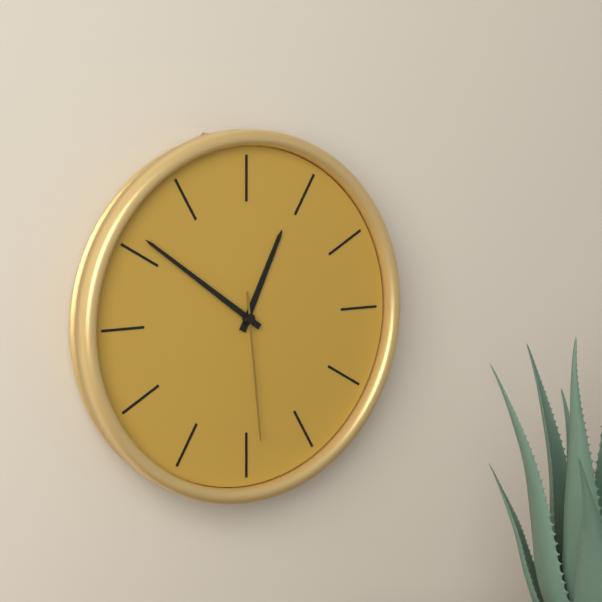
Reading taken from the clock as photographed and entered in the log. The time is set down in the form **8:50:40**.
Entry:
**12:51:29**
